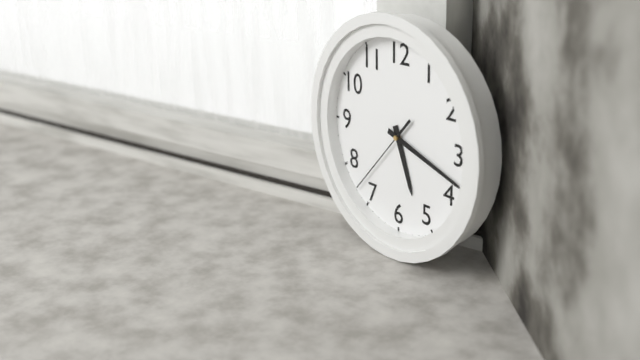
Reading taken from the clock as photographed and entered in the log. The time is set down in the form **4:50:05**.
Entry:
**5:18:37**
